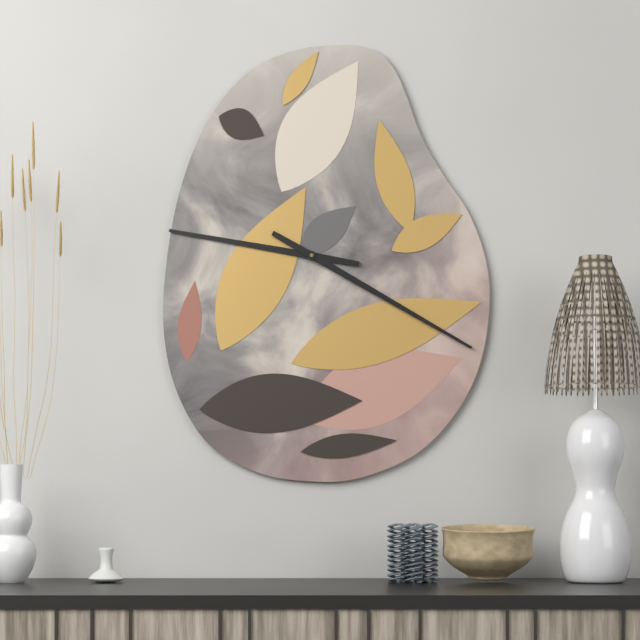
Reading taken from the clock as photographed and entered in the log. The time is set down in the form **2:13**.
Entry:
**9:20**
